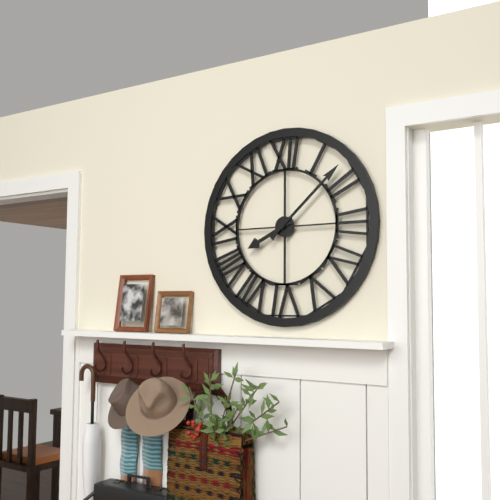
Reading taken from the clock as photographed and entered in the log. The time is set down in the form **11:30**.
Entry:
**8:08**
